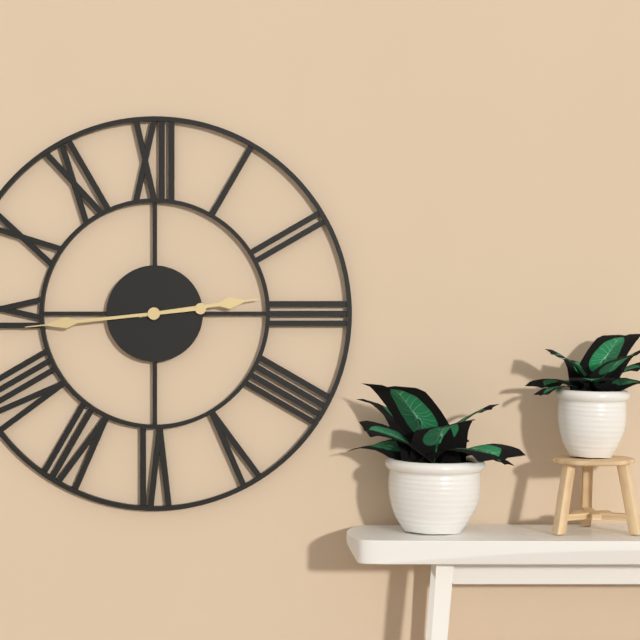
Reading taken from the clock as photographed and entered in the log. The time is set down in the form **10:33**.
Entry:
**2:44**
